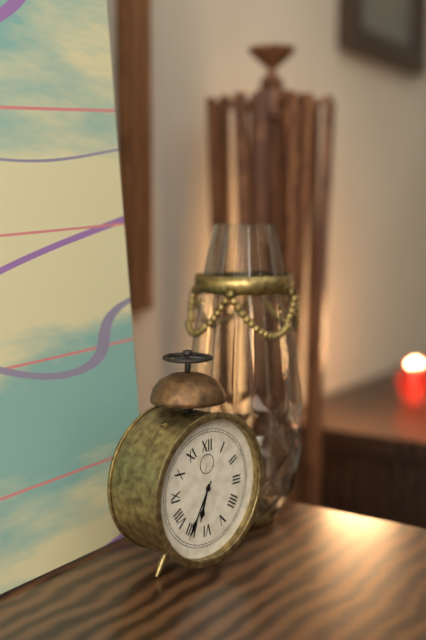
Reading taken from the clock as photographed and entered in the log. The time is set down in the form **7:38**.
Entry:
**6:35**
